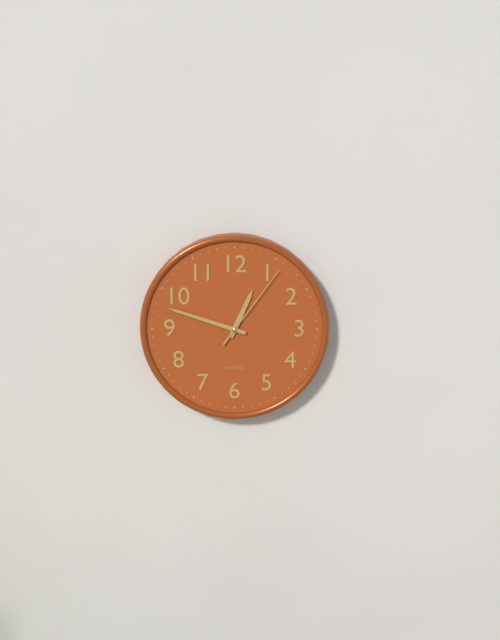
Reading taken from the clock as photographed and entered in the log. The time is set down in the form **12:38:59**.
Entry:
**12:48:06**
